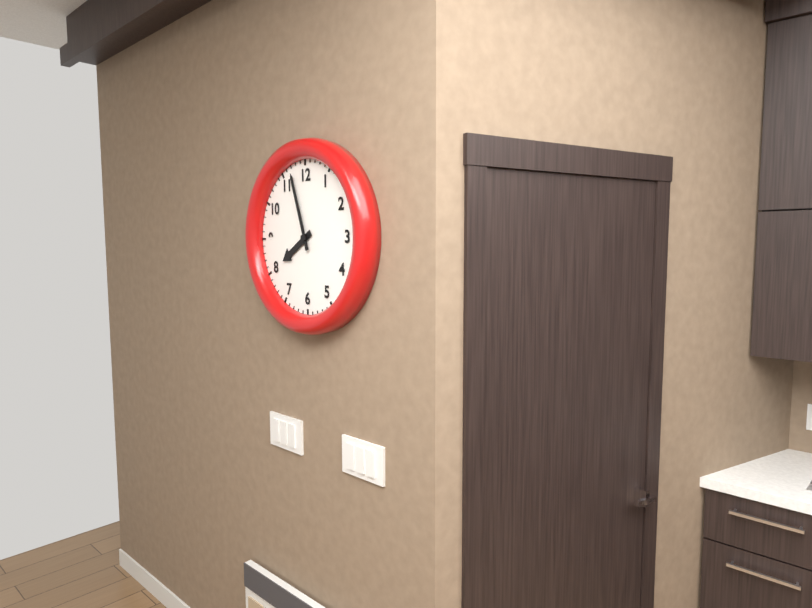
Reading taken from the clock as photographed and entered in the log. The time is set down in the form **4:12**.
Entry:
**7:57**
